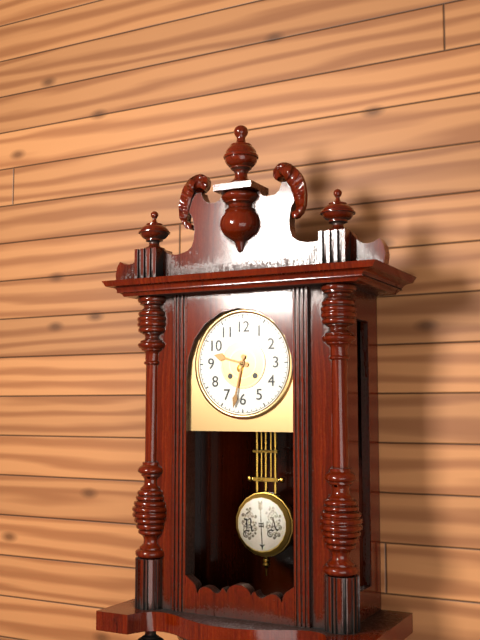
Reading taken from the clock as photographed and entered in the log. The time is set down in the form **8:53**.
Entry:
**9:32**
